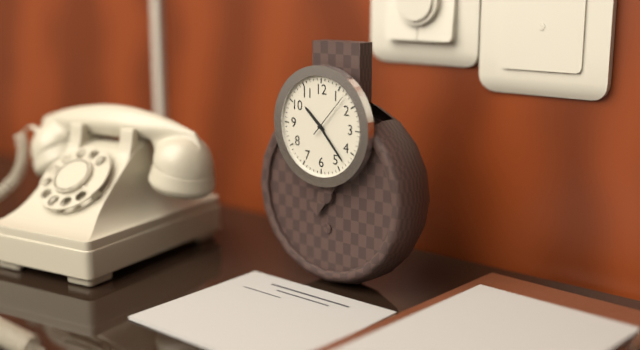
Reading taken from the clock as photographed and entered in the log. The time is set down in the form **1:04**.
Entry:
**10:23**
